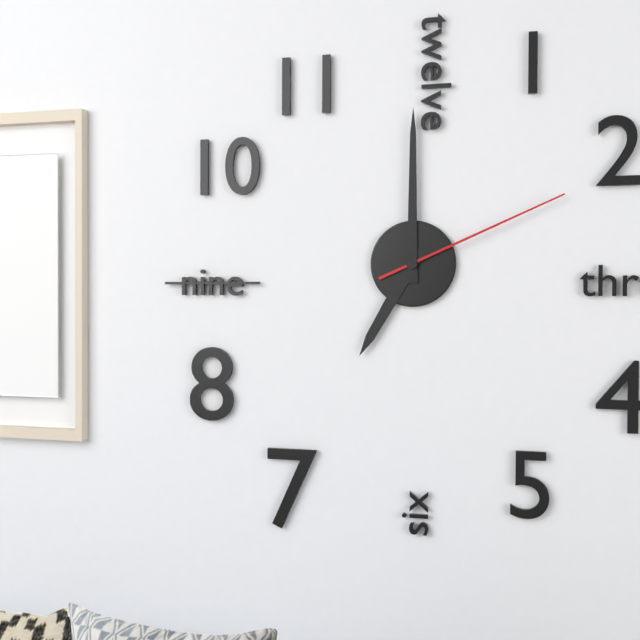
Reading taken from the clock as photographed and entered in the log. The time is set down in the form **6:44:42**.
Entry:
**7:00:11**
